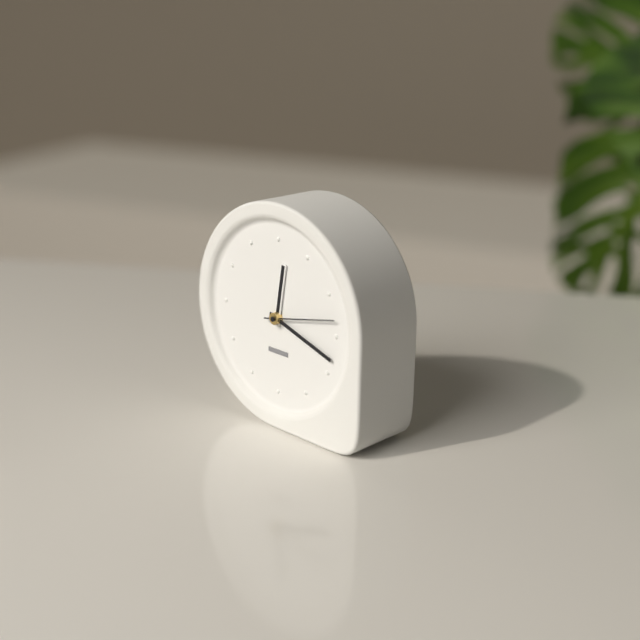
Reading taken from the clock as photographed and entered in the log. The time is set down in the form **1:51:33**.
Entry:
**12:18:13**
